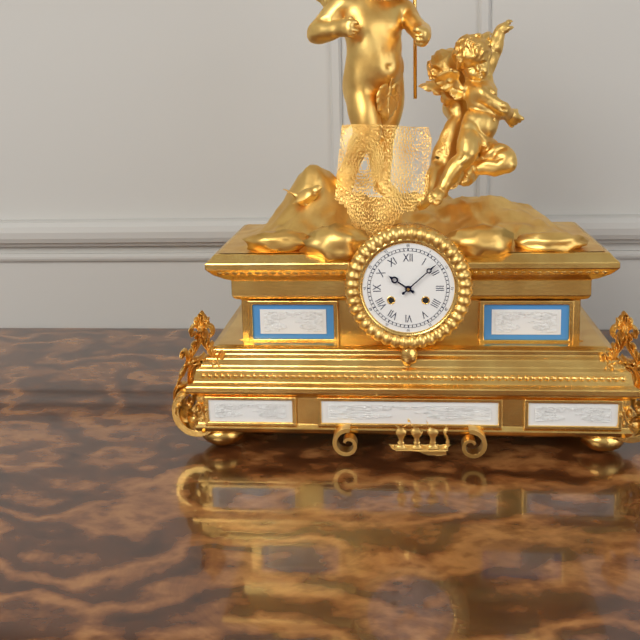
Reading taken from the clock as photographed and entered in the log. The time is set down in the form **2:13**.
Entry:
**10:08**
